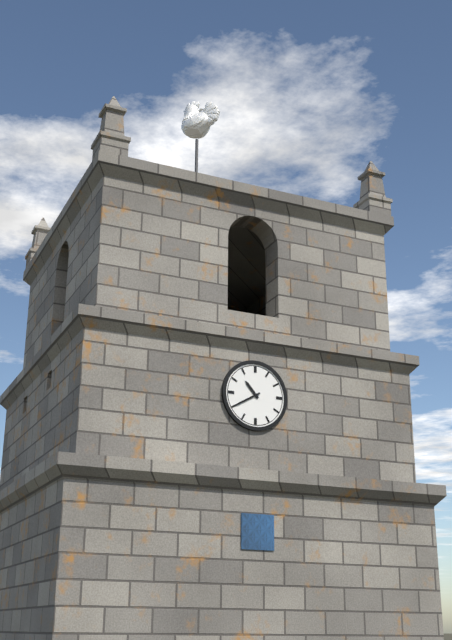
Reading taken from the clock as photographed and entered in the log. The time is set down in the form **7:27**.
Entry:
**10:40**
